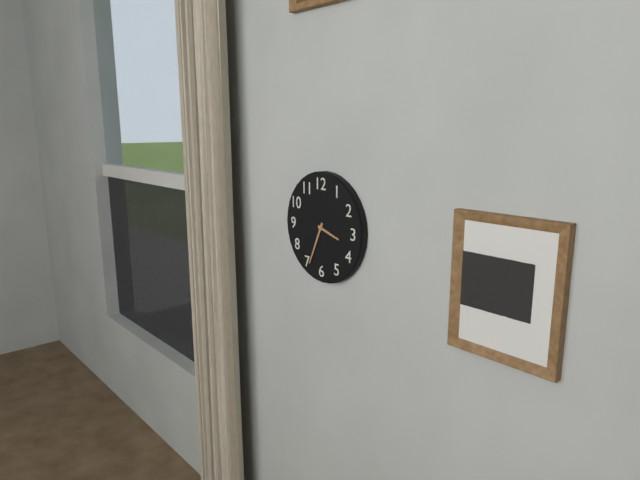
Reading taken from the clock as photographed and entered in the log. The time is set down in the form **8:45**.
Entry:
**3:34**
